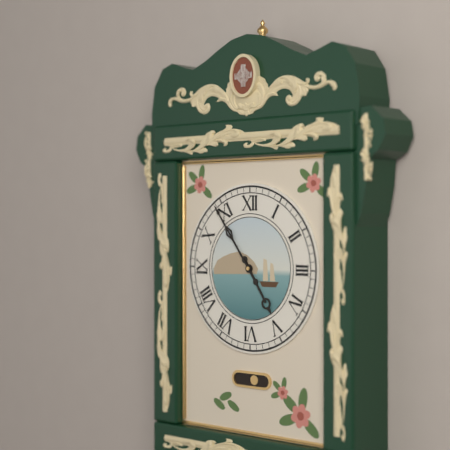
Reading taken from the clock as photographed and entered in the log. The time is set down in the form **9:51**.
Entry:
**4:54**
